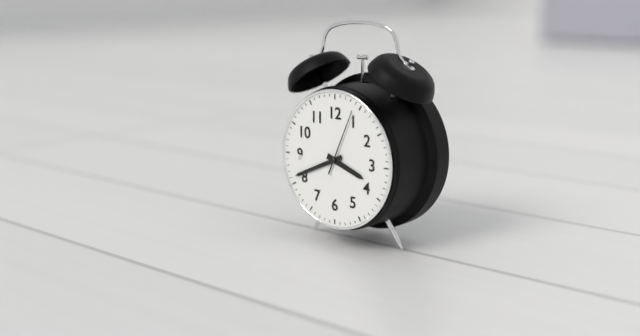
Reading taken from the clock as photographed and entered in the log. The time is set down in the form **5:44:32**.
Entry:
**3:41:04**
